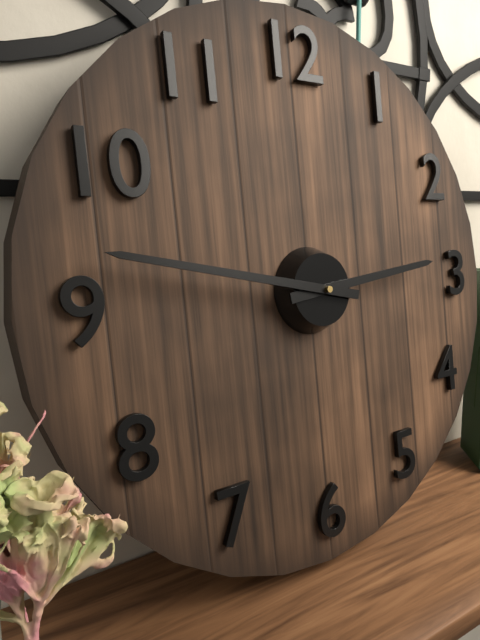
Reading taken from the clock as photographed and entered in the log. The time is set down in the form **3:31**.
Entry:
**2:47**
